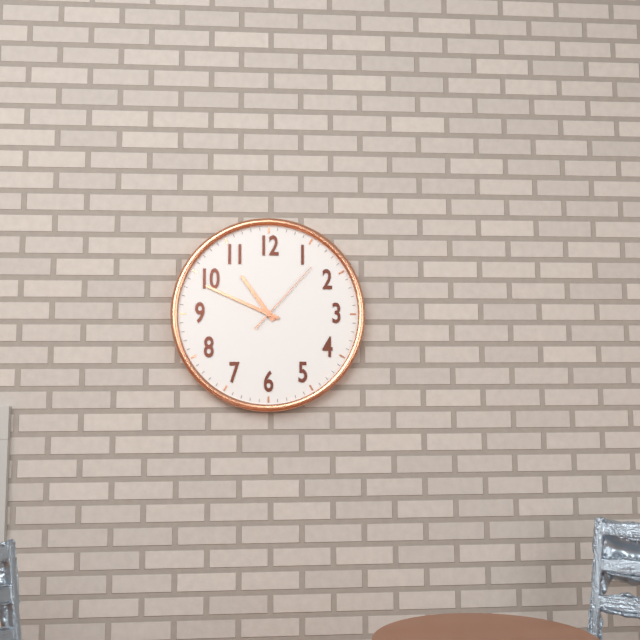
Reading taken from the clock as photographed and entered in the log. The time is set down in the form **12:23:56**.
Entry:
**10:49:07**
